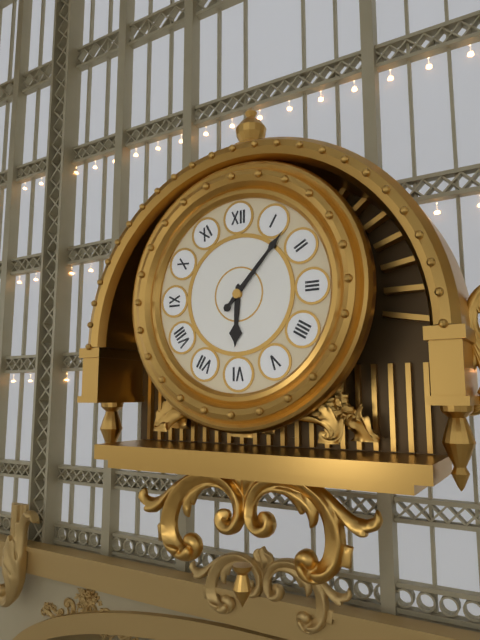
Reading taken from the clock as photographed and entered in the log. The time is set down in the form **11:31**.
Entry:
**6:07**
